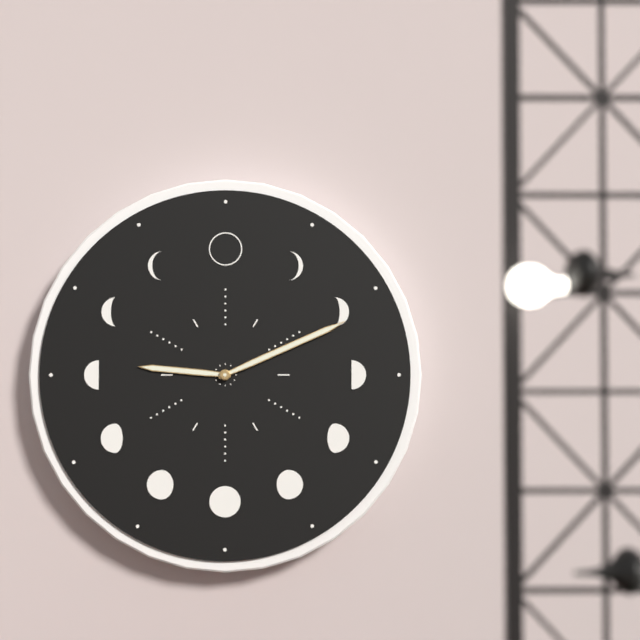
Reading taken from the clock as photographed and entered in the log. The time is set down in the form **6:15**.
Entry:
**9:11**
